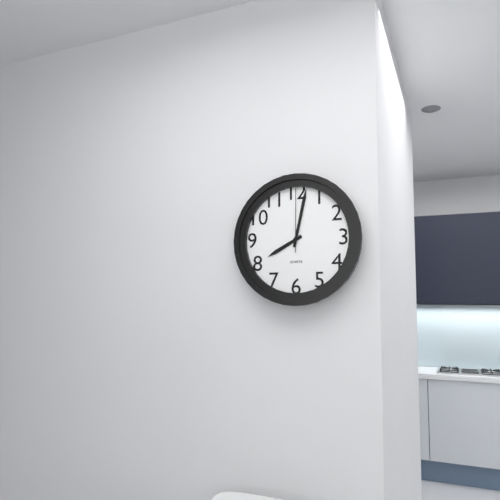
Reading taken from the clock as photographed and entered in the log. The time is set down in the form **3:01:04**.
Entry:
**8:02:00**
